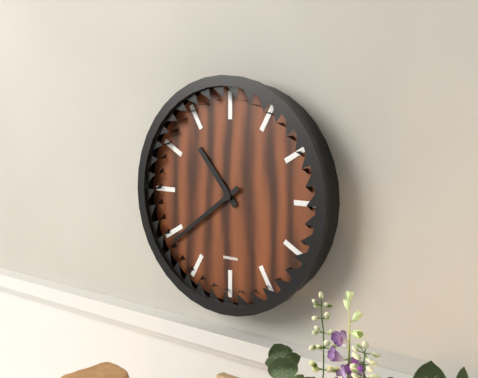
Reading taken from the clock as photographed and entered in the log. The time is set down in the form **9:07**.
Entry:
**10:39**
